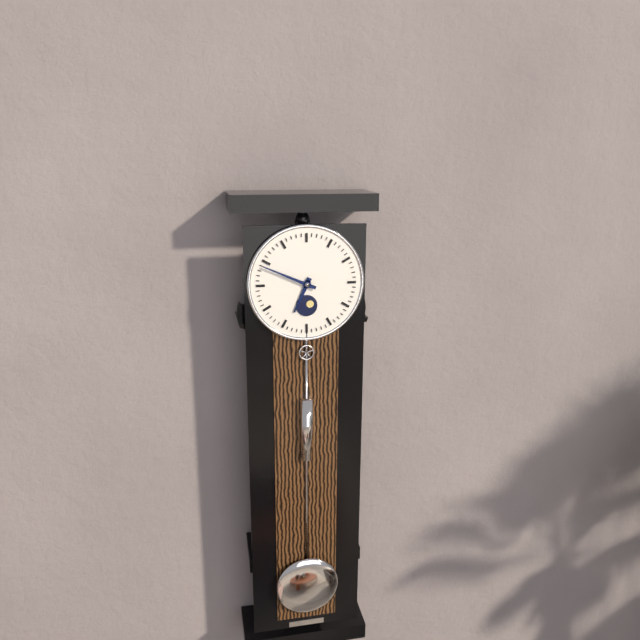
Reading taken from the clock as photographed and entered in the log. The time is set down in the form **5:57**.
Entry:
**6:49**
